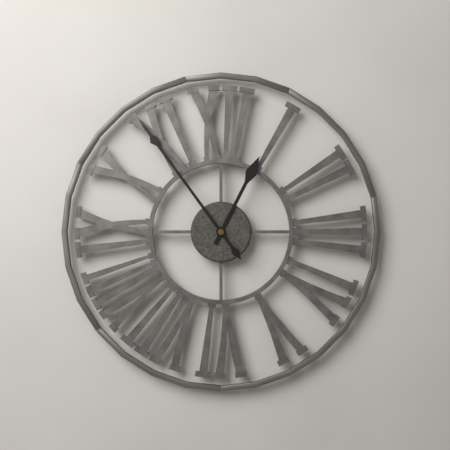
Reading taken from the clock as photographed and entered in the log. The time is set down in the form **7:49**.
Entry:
**12:54**
